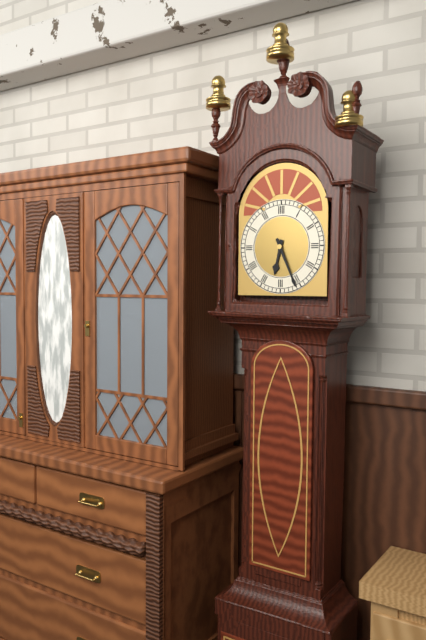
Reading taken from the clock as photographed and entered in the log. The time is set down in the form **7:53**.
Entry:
**6:26**
